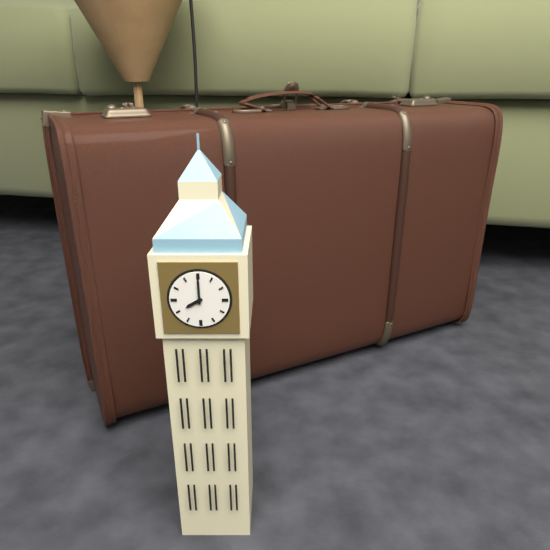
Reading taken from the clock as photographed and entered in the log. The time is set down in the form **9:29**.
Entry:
**8:00**
